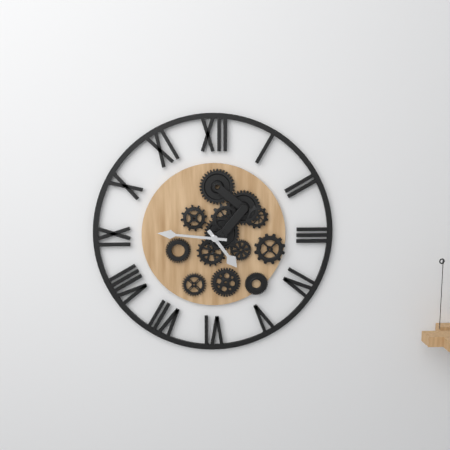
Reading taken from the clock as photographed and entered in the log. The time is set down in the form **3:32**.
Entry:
**4:46**
